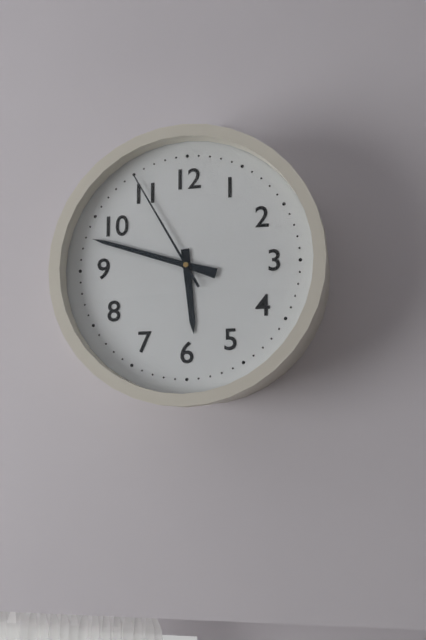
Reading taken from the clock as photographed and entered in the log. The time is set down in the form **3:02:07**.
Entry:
**5:48:55**
